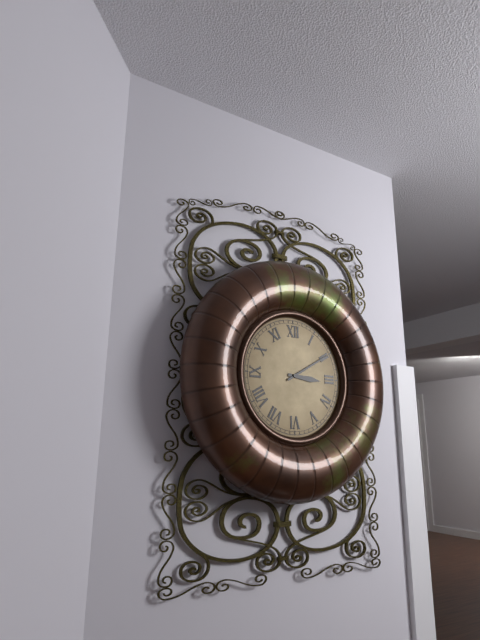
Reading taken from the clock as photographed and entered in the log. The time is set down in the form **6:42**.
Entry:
**3:10**
